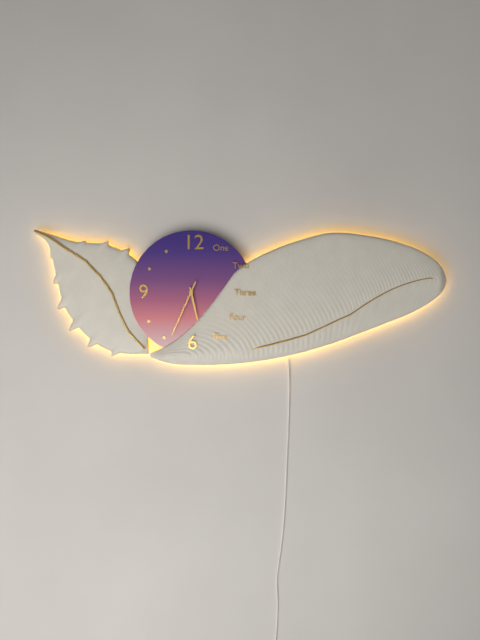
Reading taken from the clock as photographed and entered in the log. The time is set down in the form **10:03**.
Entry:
**5:34**
